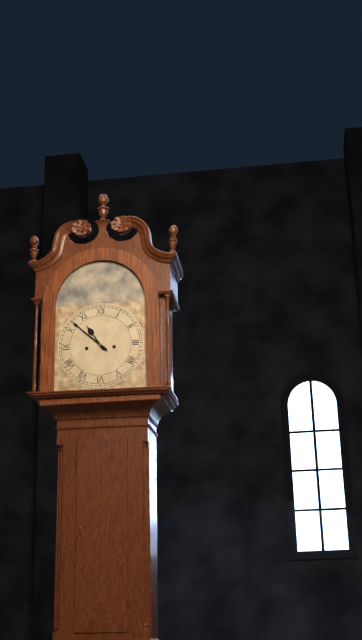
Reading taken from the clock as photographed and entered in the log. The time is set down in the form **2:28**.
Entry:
**10:52**
